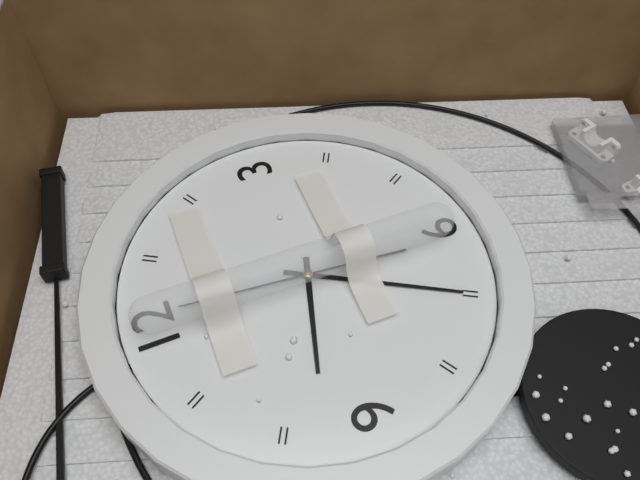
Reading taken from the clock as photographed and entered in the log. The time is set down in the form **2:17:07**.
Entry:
**9:35:01**
